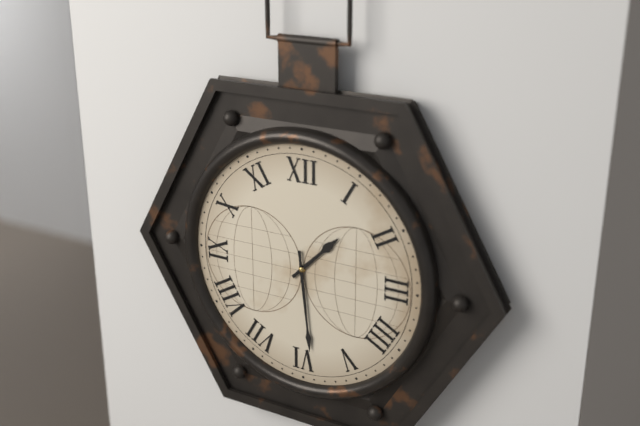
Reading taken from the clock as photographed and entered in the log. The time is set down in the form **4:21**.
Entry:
**1:29**
